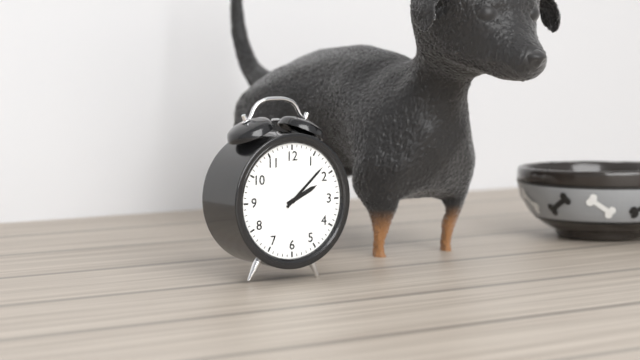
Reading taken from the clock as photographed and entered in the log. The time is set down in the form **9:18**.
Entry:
**2:08**
